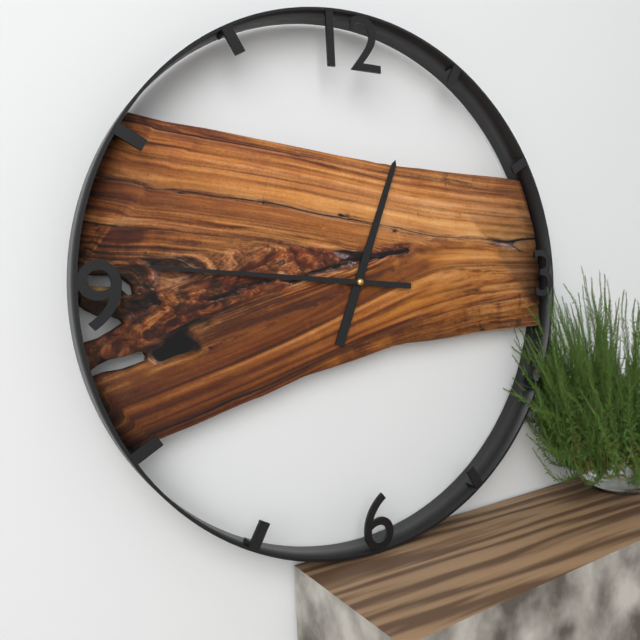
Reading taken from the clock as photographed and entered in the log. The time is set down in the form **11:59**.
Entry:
**12:46**
